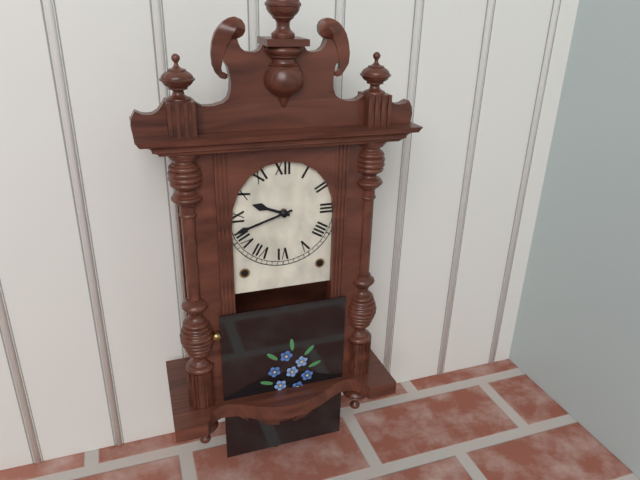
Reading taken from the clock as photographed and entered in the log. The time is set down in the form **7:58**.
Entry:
**9:42**
